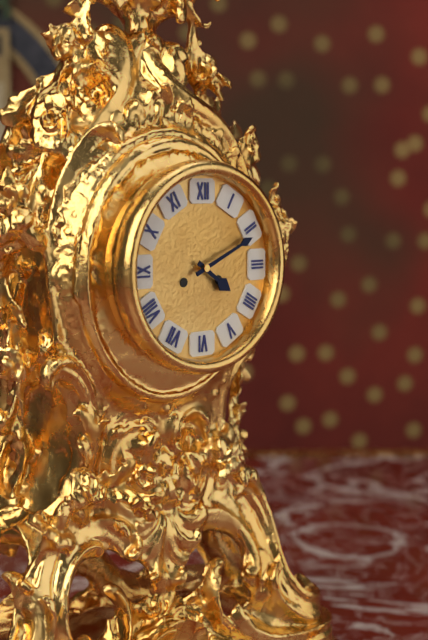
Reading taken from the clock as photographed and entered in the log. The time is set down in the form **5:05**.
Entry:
**4:11**
